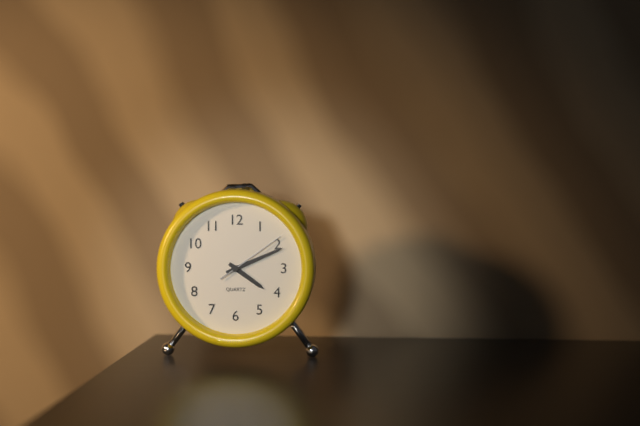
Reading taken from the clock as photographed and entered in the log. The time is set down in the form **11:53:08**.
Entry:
**4:11:09**
